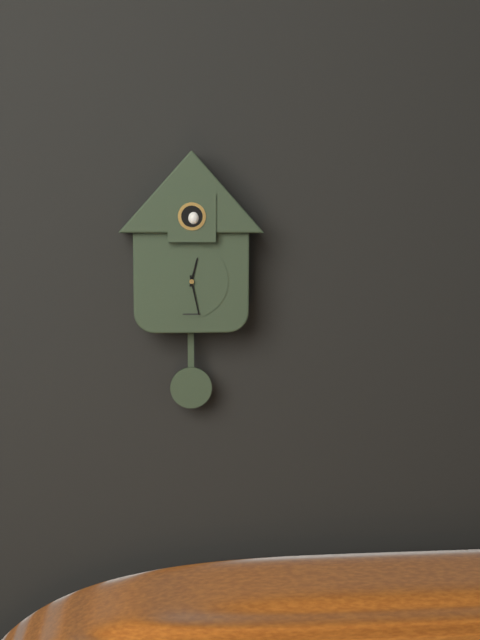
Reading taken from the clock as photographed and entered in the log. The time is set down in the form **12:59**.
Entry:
**12:28**
